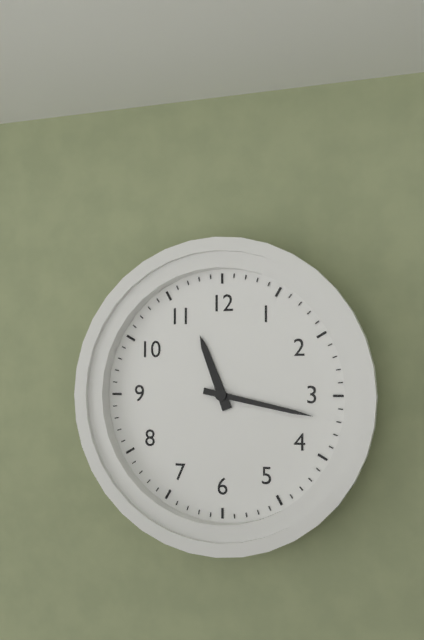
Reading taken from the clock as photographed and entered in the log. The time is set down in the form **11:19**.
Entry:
**11:17**
